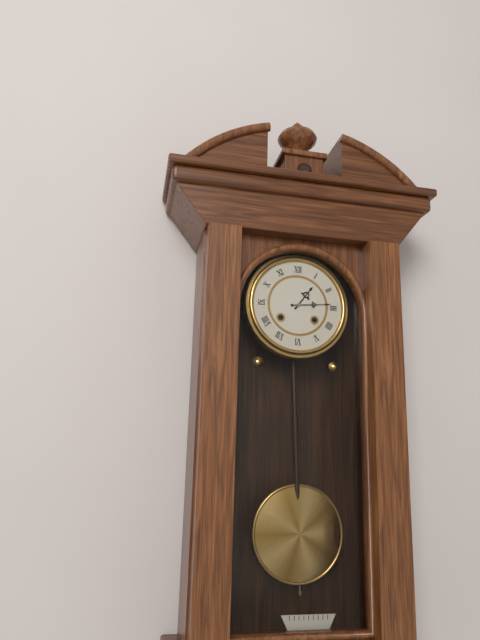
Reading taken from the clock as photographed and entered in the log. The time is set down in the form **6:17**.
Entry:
**1:14**
